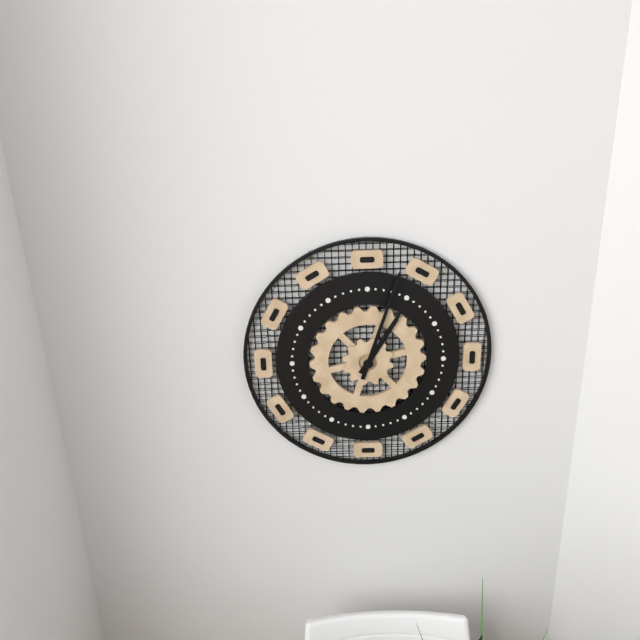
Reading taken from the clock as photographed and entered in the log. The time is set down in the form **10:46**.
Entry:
**1:03**
